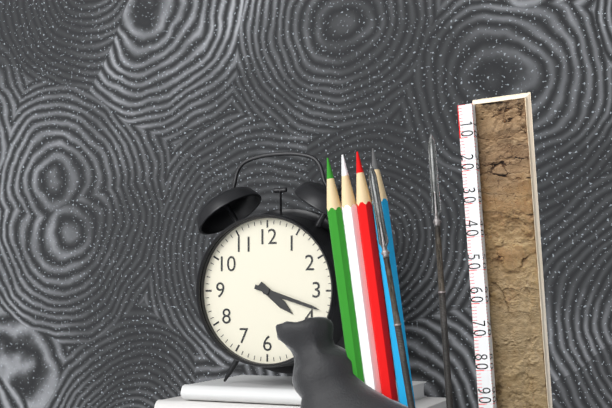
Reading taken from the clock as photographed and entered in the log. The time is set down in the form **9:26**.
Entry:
**4:18**
